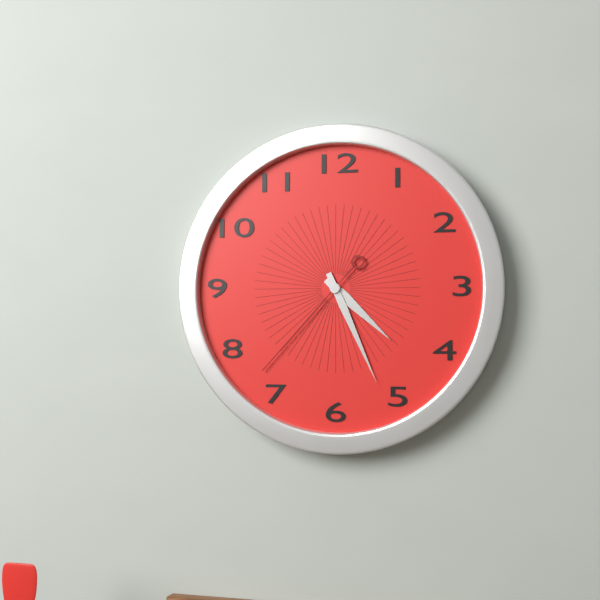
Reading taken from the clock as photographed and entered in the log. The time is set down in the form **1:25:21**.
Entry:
**4:26:37**
